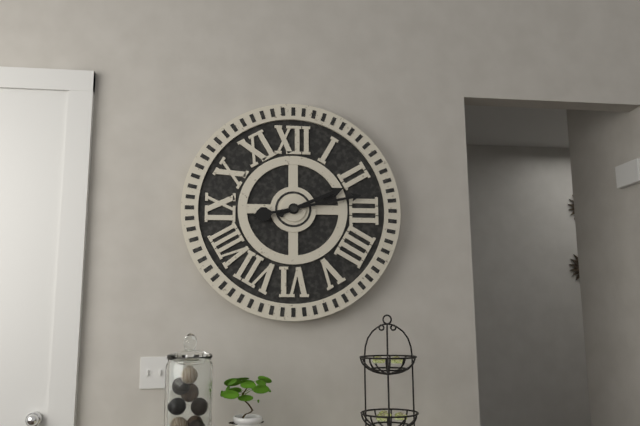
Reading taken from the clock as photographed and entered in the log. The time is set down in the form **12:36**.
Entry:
**2:13**
